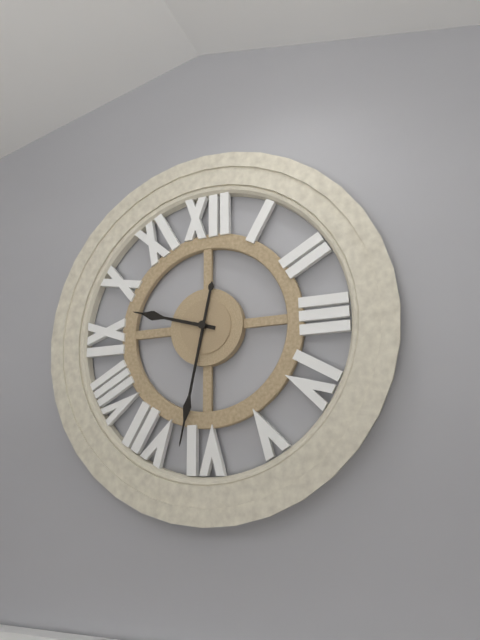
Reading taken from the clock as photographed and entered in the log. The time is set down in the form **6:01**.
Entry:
**9:32**
